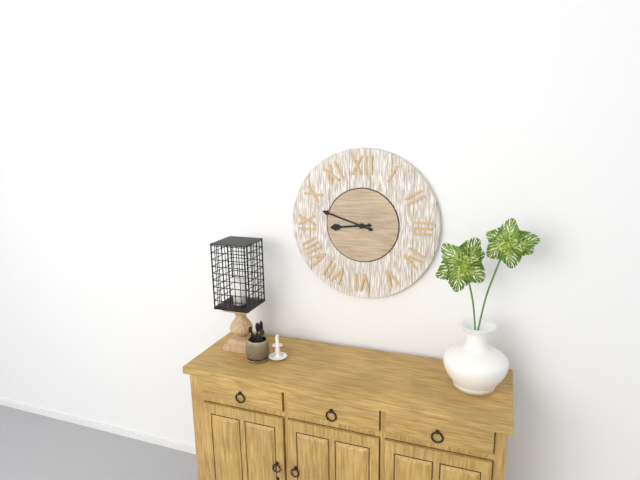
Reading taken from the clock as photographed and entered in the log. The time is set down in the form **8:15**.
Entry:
**8:48**
